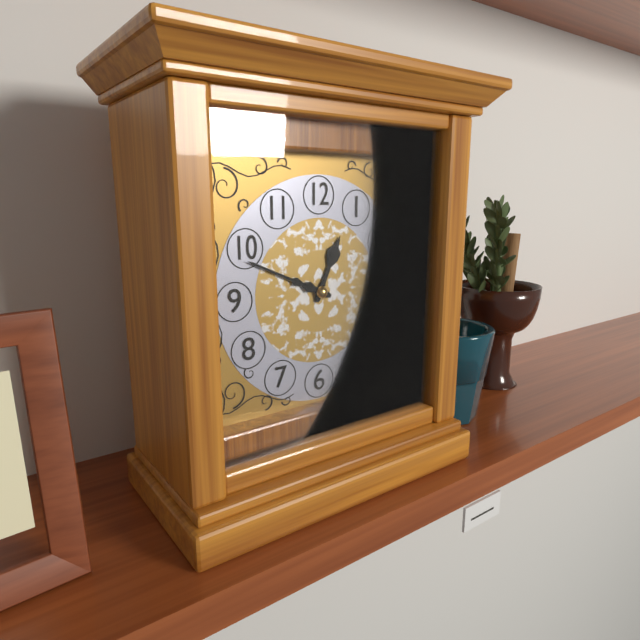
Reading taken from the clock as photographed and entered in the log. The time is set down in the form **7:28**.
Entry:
**12:49**
